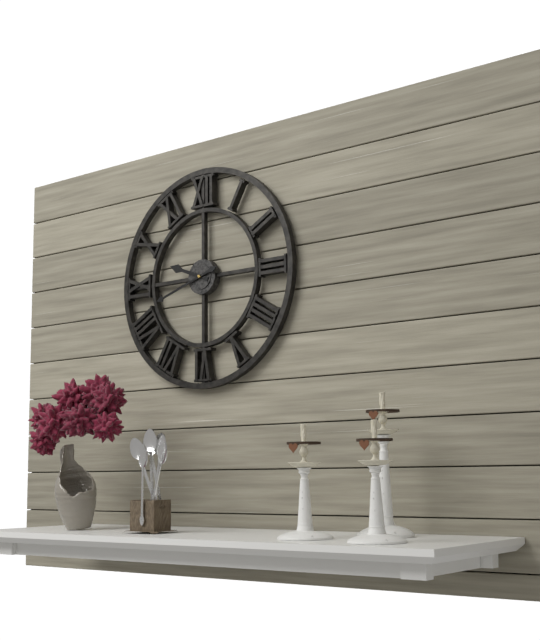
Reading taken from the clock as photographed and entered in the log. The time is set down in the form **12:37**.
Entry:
**9:42**
